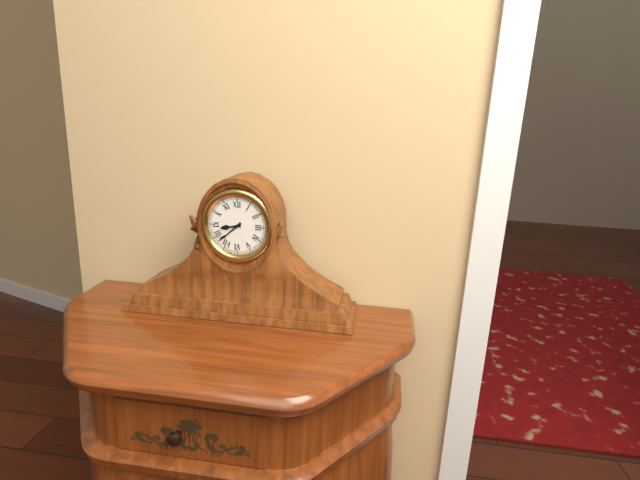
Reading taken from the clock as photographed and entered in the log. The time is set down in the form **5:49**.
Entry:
**8:38**
